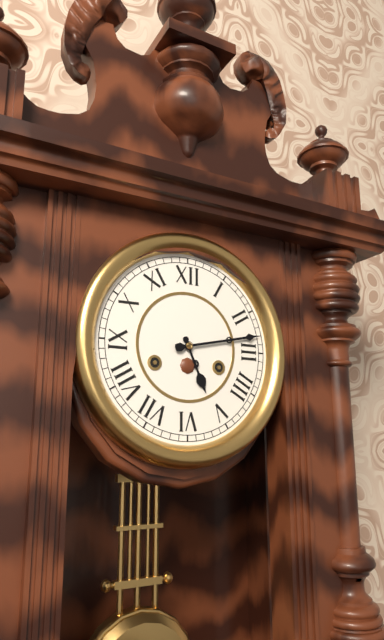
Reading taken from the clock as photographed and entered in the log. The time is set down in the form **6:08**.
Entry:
**5:13**
